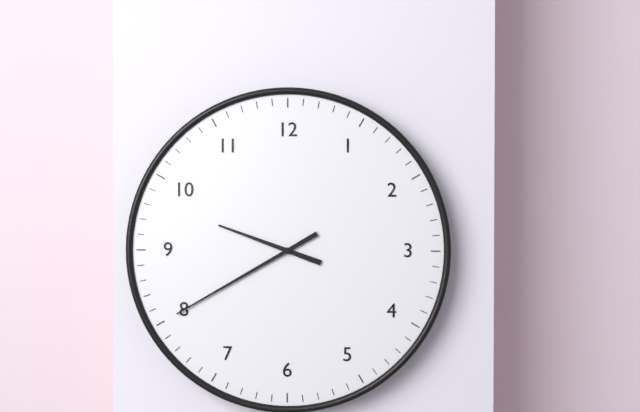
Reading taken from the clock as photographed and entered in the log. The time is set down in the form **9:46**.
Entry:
**9:40**
